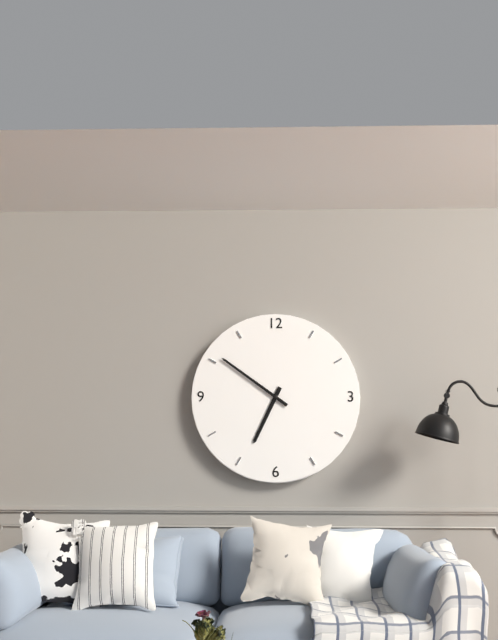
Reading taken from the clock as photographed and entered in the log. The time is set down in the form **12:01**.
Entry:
**6:51**
